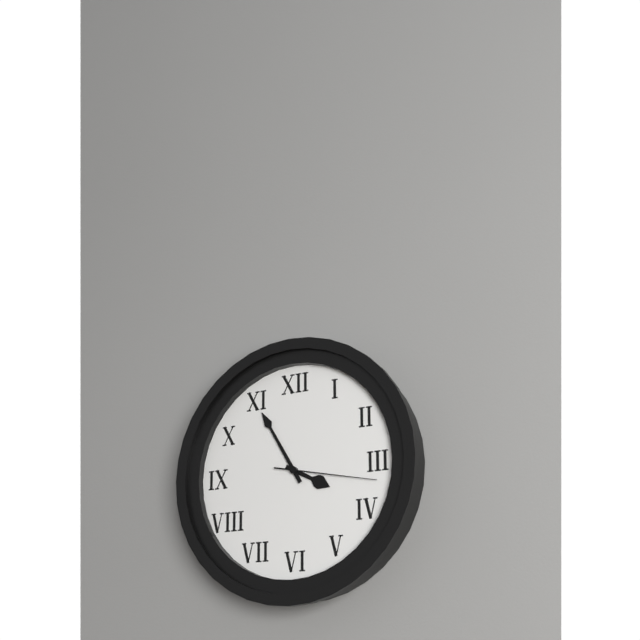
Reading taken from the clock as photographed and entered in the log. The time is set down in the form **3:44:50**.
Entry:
**3:55:17**
